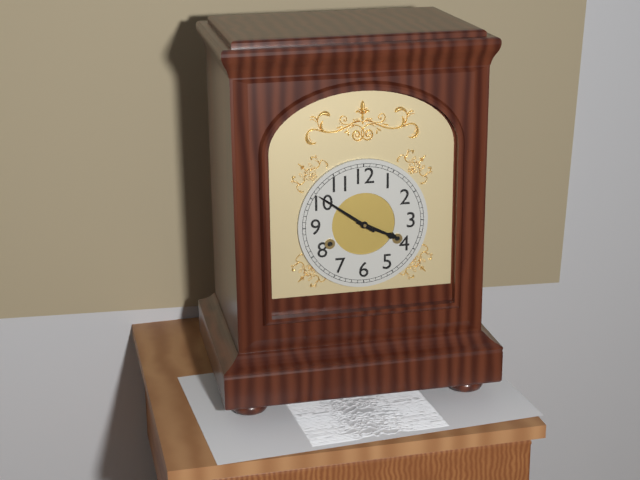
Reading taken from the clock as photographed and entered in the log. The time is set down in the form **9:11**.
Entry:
**3:51**
